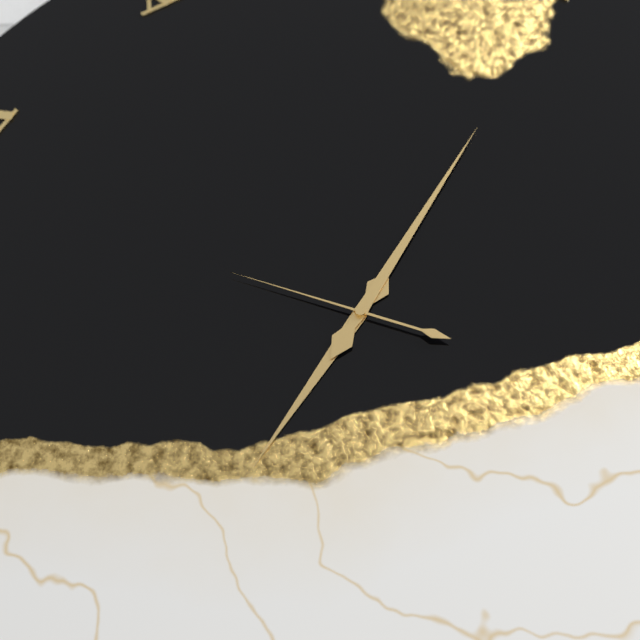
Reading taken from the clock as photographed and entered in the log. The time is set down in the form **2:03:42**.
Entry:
**7:05:48**
